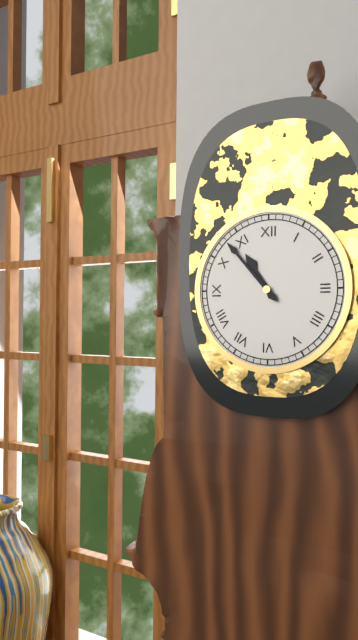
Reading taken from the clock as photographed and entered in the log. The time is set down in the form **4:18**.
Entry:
**10:53**
